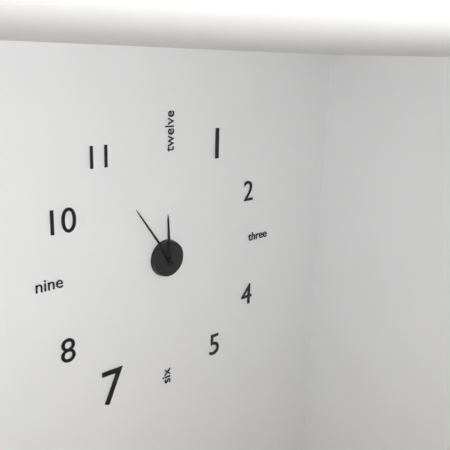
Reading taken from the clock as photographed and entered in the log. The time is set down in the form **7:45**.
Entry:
**11:54**
